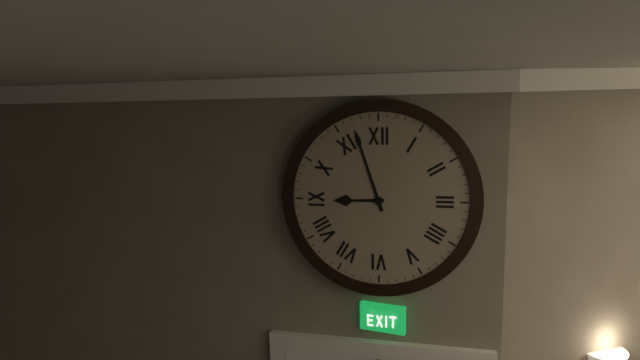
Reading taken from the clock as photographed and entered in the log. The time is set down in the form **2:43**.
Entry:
**8:57**
